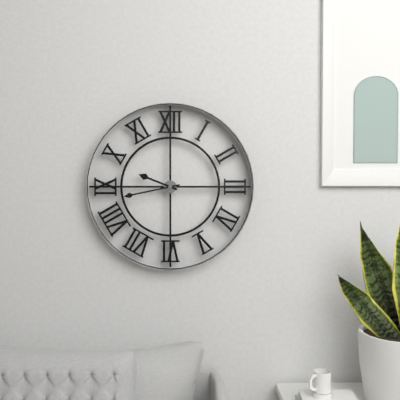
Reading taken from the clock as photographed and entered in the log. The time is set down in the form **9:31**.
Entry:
**9:43**
